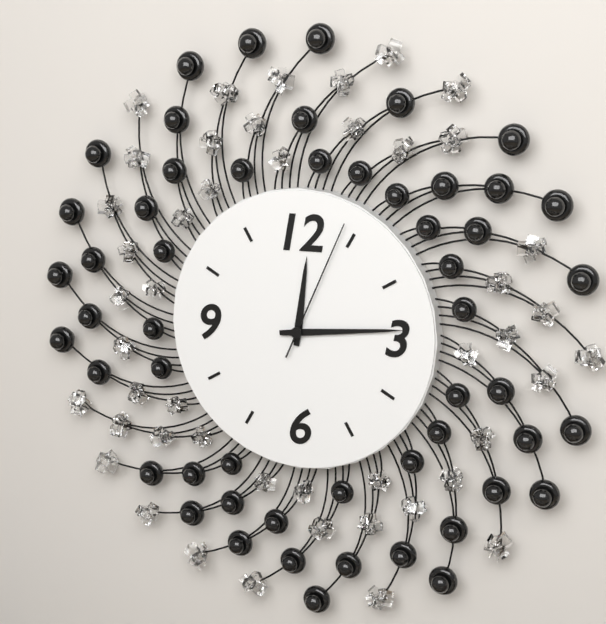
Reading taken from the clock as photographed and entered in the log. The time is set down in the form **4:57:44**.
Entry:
**12:14:04**
